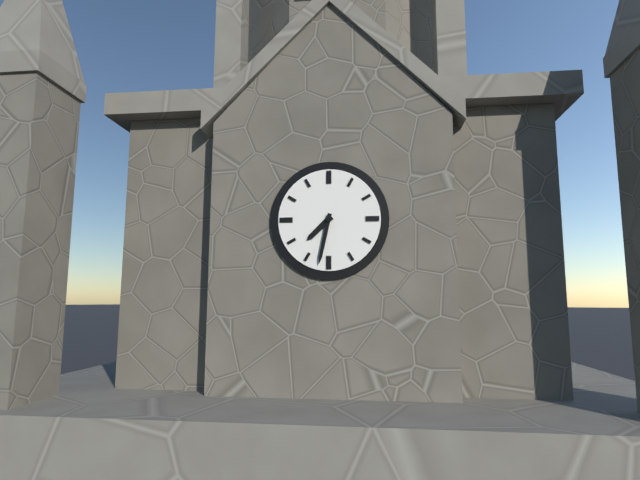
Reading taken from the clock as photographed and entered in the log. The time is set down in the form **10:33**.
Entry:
**7:32**
